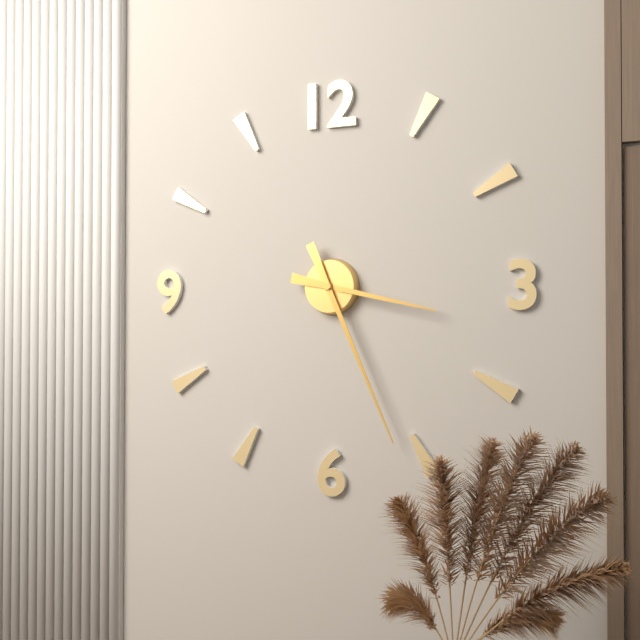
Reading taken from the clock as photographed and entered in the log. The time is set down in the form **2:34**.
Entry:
**3:26**
